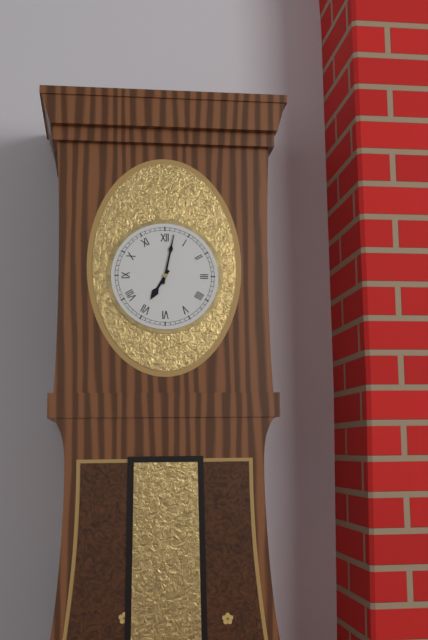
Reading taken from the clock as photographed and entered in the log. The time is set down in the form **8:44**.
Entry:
**7:02**
